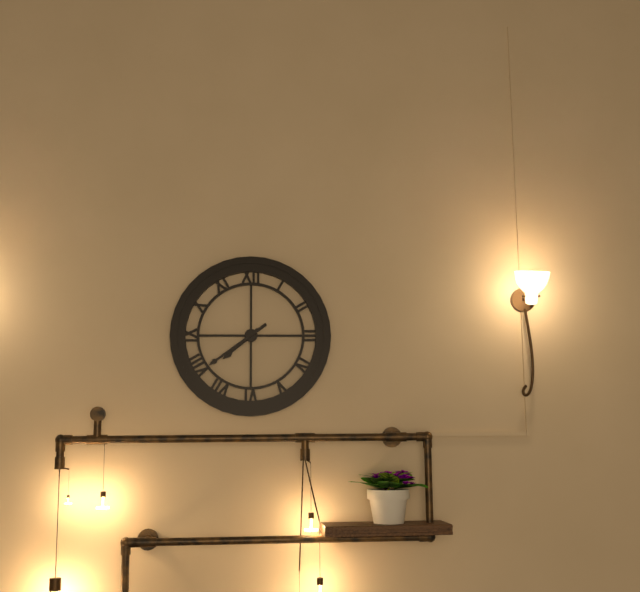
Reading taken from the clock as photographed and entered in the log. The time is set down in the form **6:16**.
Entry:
**7:39**
